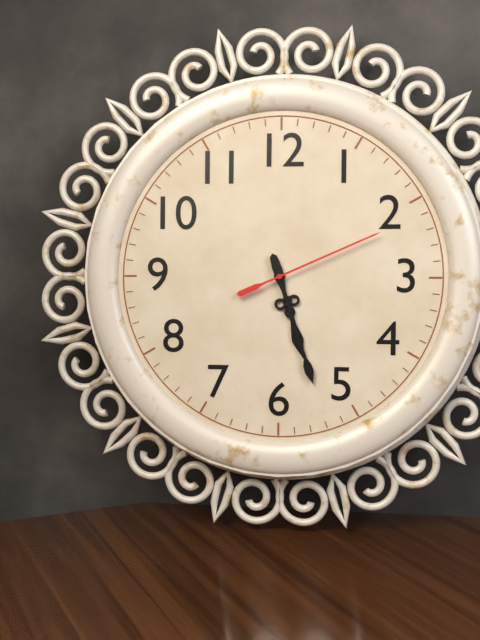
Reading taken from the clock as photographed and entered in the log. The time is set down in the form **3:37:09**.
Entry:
**5:27:11**
